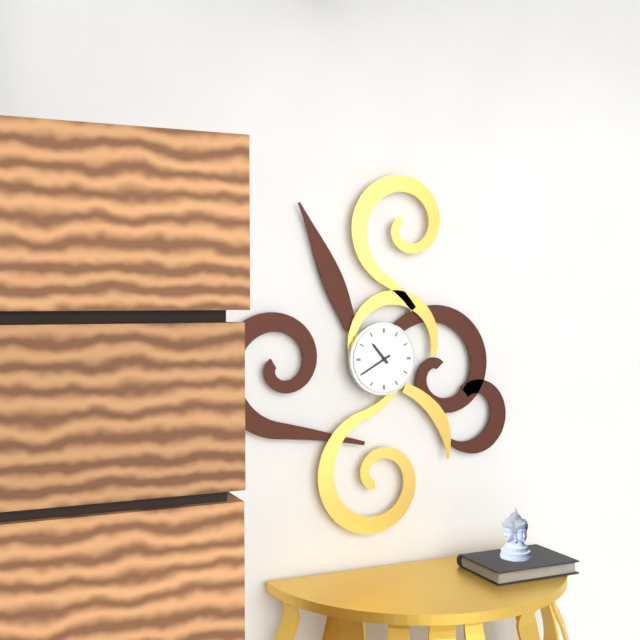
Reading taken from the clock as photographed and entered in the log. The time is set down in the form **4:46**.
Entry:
**10:40**
